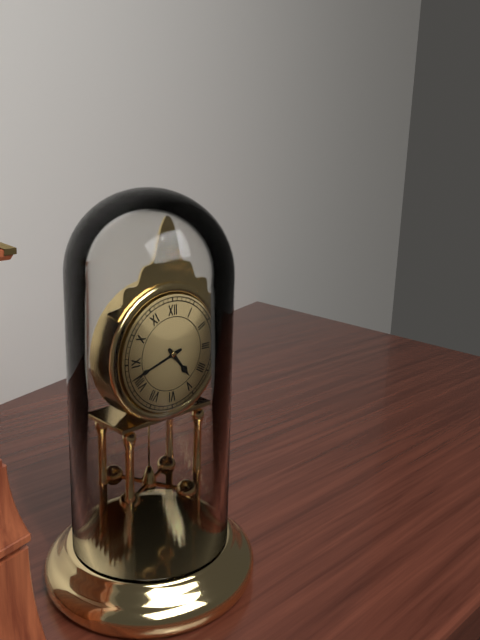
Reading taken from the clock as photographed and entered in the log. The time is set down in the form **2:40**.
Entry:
**4:42**
